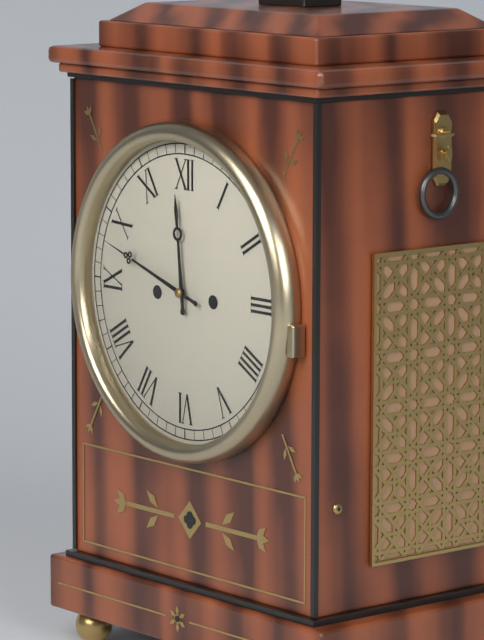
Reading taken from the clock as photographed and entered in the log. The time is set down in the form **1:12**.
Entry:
**11:48**
